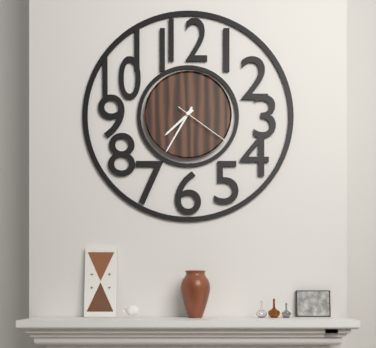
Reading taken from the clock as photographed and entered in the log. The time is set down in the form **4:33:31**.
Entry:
**7:35:21**
